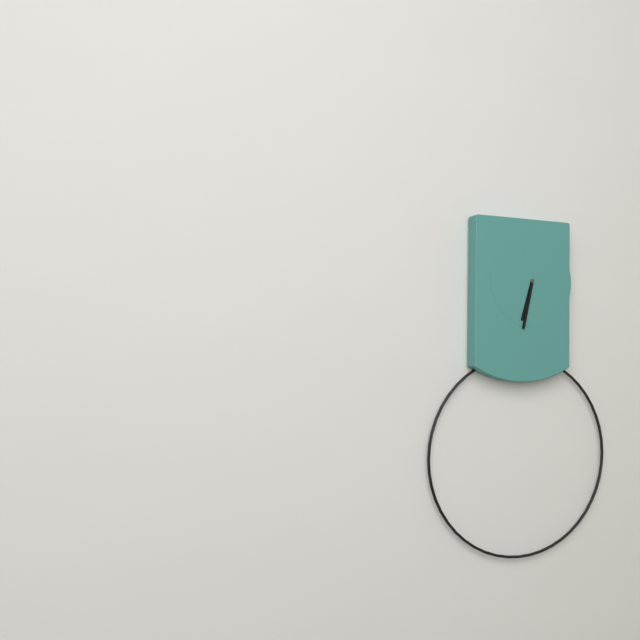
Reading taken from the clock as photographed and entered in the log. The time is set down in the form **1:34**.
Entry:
**6:32**
